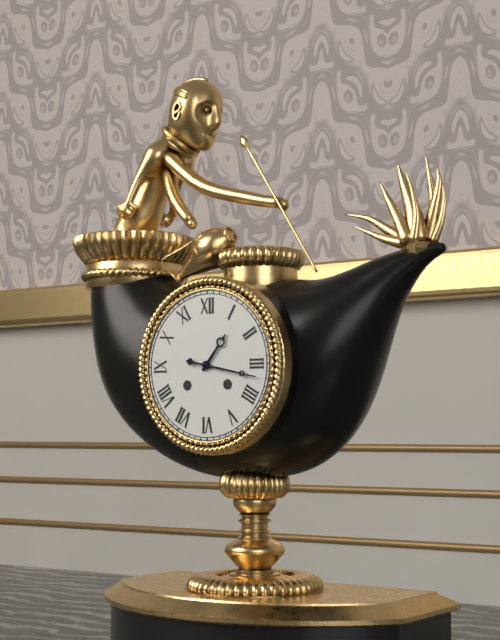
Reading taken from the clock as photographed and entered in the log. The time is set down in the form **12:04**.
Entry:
**1:17**
